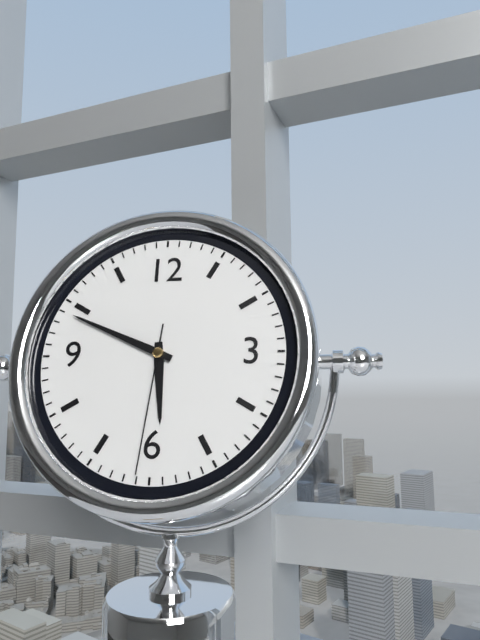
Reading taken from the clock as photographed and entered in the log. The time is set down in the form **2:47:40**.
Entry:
**5:49:31**
